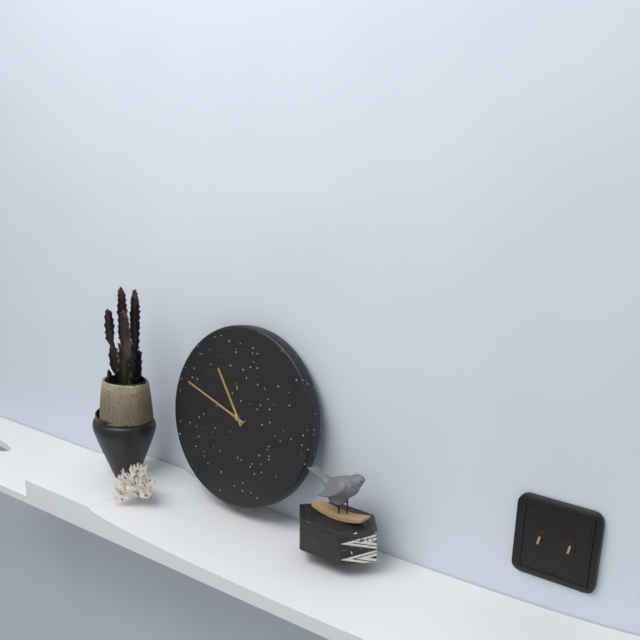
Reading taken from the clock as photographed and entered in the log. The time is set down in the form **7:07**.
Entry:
**10:48**
